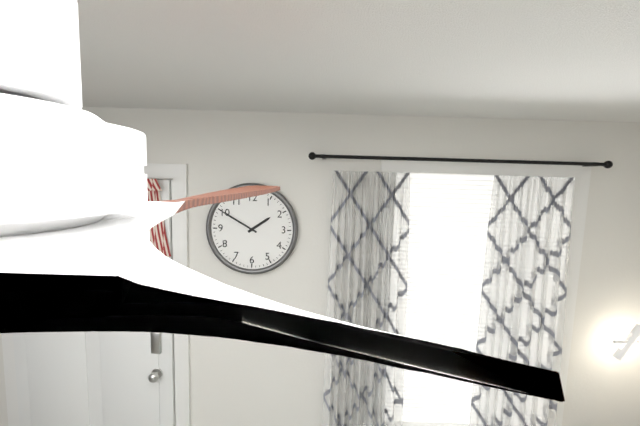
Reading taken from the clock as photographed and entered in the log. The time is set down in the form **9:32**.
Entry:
**1:50**
